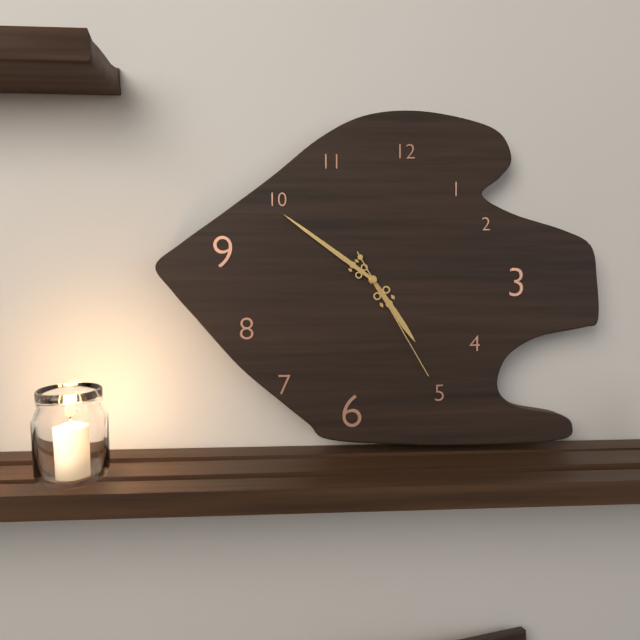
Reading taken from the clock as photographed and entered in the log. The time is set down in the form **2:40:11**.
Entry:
**4:51:25**
